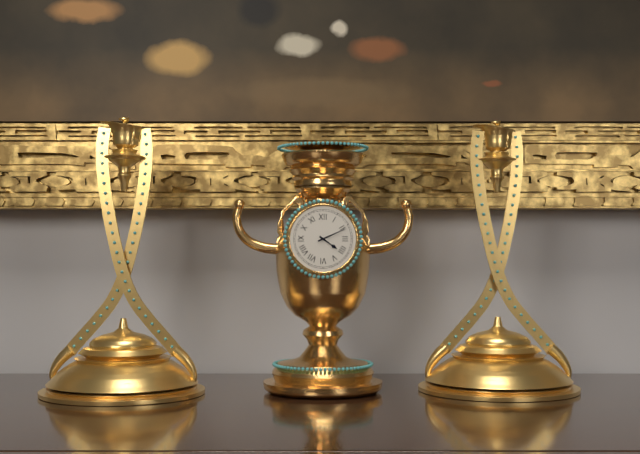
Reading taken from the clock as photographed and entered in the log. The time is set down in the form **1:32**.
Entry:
**4:11**
